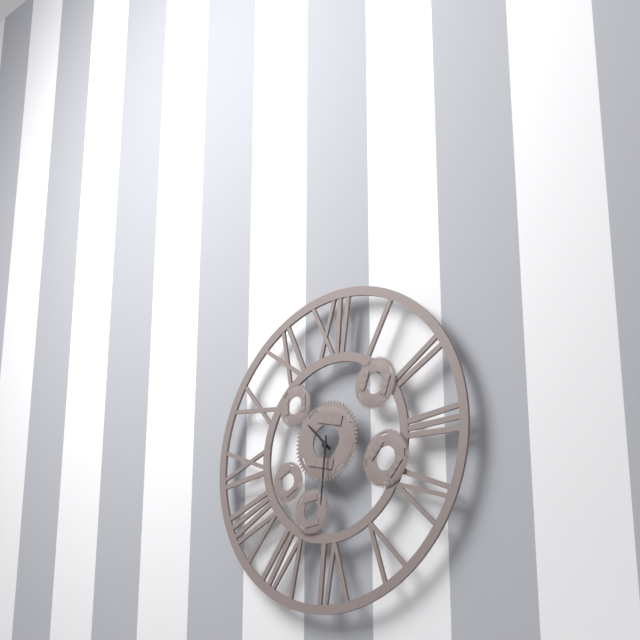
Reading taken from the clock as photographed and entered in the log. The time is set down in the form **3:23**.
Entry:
**10:31**
